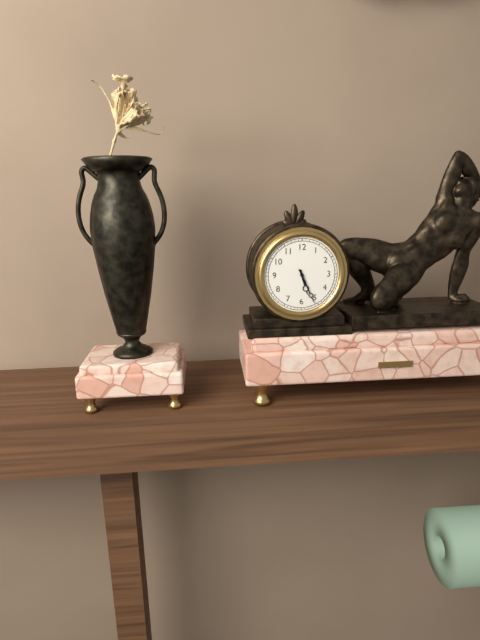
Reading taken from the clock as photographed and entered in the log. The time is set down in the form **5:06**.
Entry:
**5:26**
